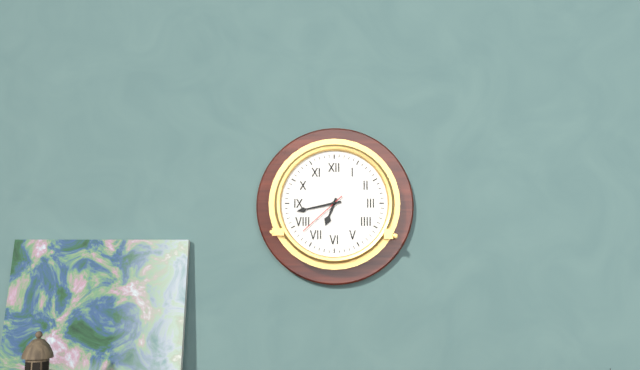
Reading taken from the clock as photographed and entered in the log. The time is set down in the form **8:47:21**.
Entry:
**6:43:38**
